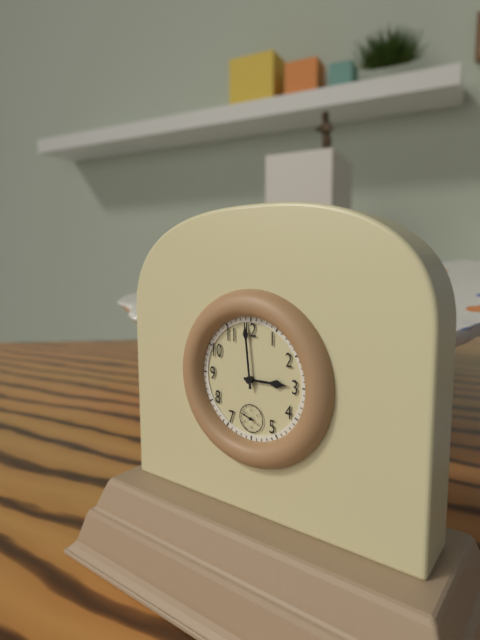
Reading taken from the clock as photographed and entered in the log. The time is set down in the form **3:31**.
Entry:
**2:59**
